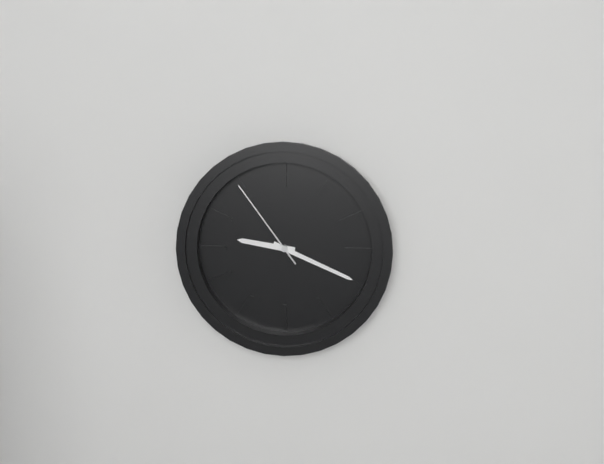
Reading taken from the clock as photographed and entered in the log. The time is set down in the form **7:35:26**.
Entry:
**9:19:54**
